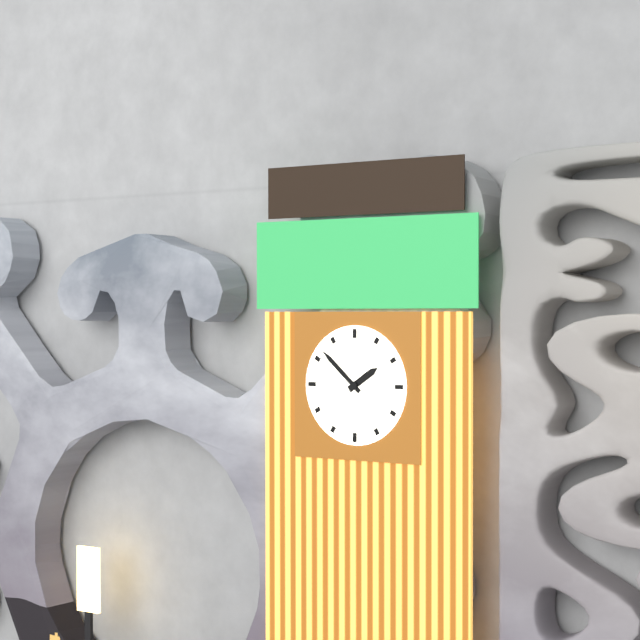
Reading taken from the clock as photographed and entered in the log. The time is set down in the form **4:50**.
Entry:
**1:52**
